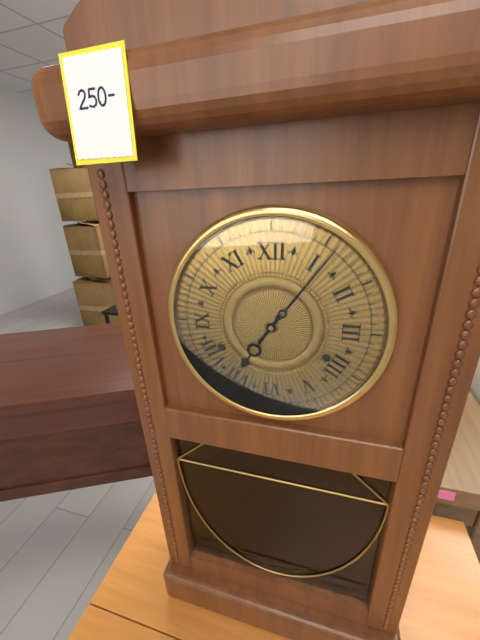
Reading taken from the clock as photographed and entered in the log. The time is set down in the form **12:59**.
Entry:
**7:06**
